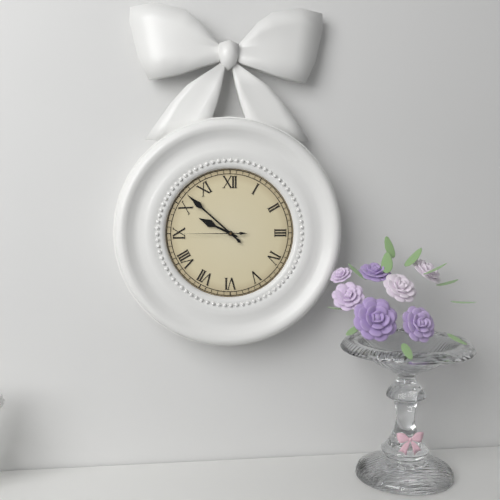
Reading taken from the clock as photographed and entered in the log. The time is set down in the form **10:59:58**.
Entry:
**9:52:45**
